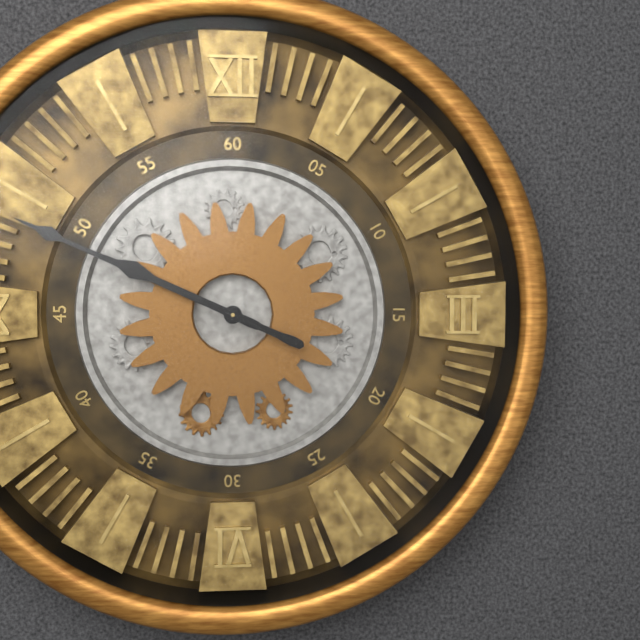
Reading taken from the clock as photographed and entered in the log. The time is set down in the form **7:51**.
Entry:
**9:49**
